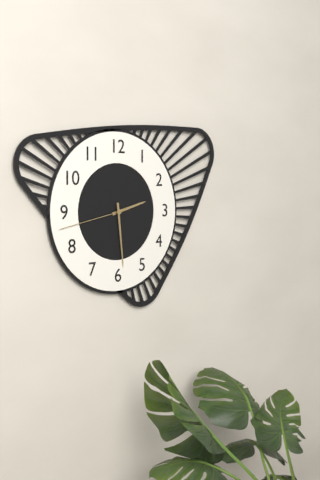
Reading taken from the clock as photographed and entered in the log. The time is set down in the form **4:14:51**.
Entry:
**2:29:43**
